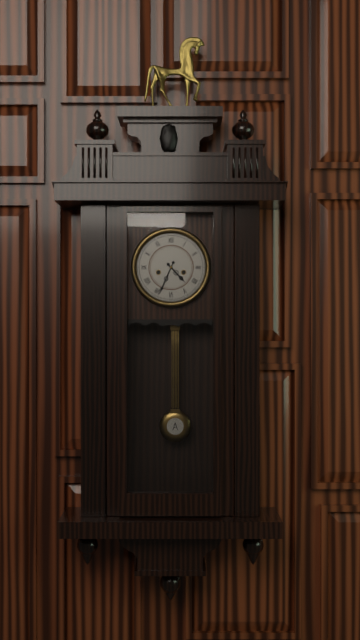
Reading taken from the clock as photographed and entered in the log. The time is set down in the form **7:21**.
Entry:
**4:34**
